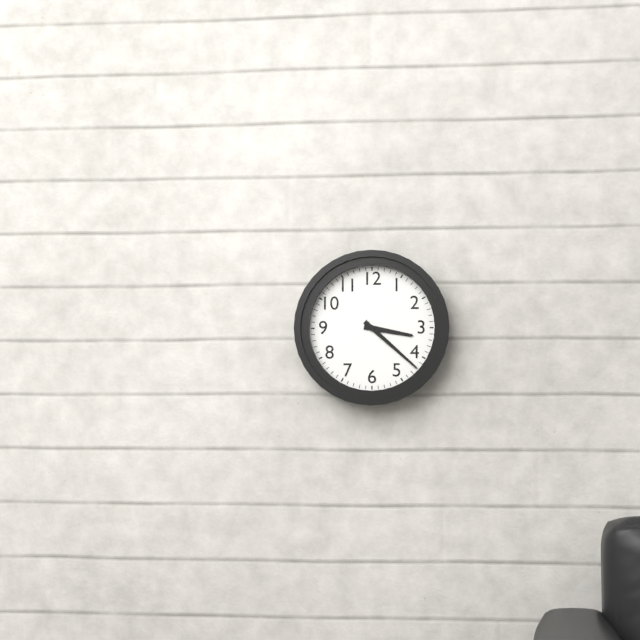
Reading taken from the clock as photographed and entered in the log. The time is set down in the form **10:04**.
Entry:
**3:22**
